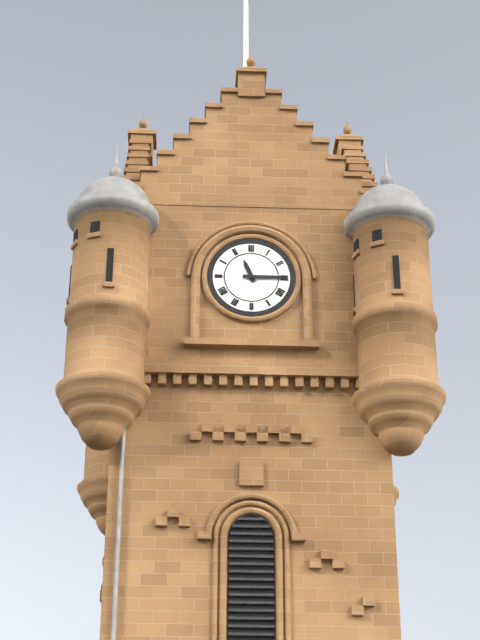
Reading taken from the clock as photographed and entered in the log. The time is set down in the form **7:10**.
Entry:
**11:15**
